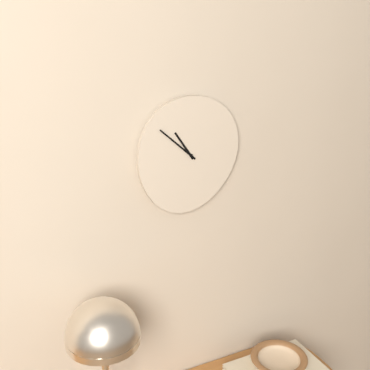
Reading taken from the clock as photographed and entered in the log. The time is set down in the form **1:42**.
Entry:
**10:52**
